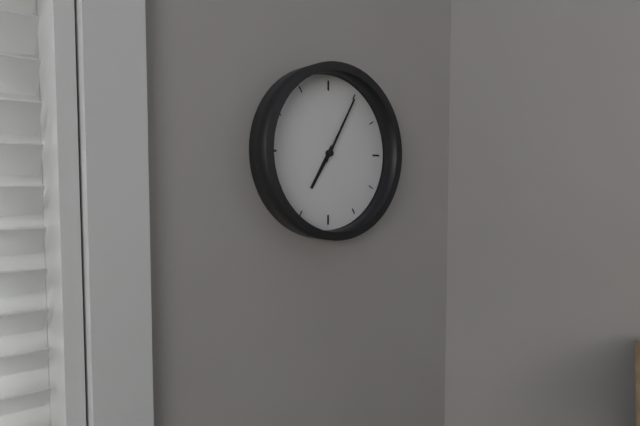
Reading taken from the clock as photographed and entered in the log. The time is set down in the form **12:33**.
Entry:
**7:05**
